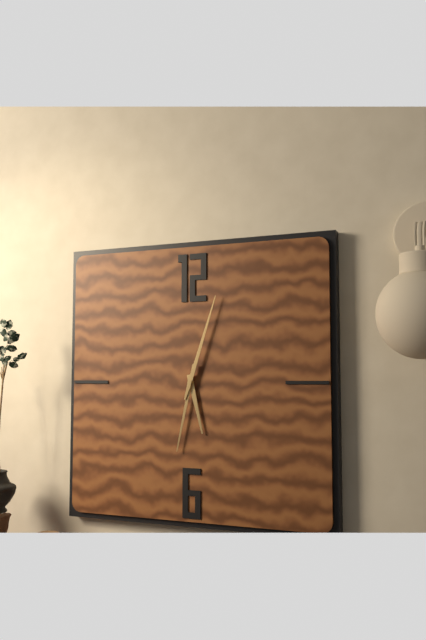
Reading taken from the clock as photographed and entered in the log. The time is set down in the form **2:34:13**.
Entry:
**5:32:03**
